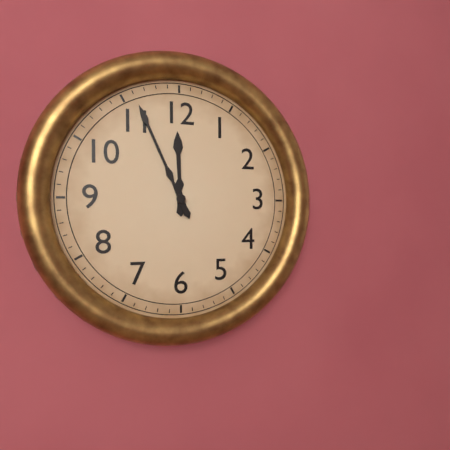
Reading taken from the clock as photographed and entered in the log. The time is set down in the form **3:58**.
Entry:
**11:56**
